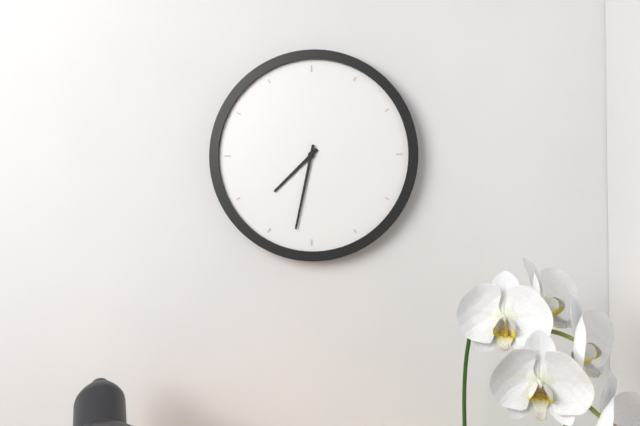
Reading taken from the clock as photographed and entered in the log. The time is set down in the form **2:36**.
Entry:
**7:32**
